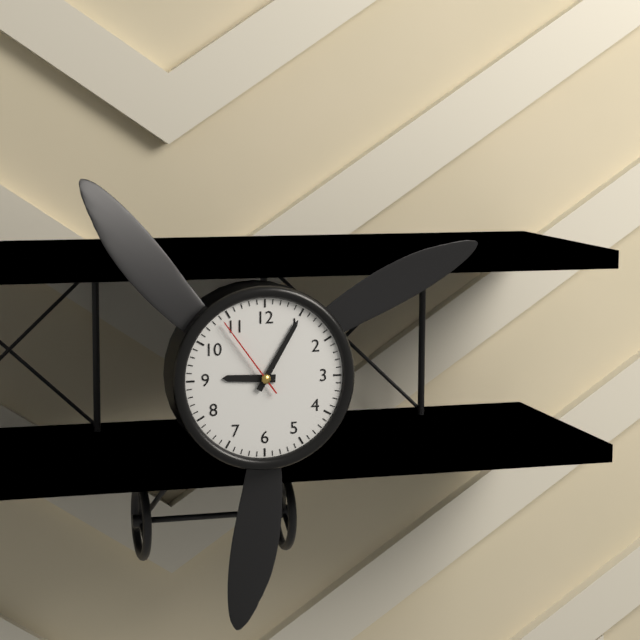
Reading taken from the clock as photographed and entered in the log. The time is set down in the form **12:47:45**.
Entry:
**9:05:54**
